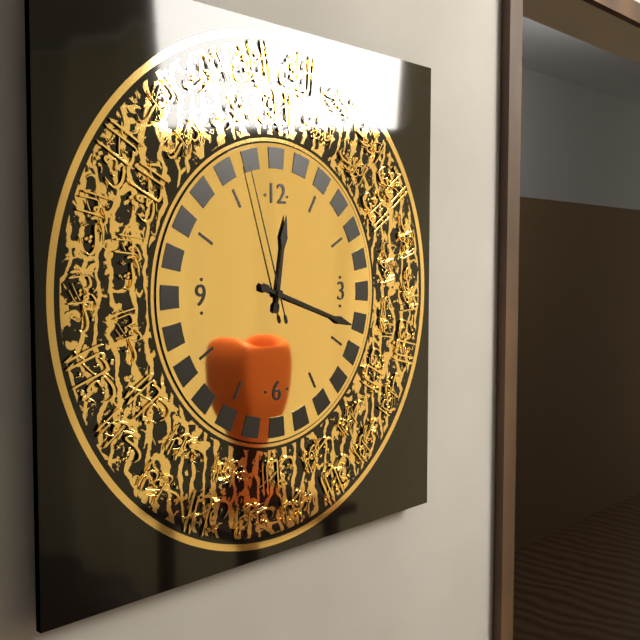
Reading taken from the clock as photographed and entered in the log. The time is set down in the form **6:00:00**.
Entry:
**12:18:57**
